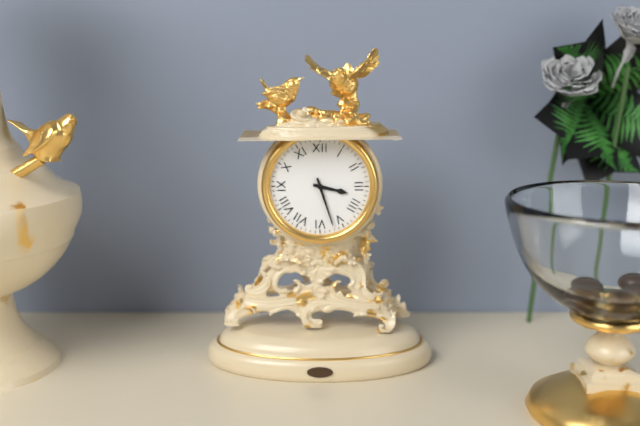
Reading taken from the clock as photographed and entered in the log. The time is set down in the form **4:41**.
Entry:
**3:27**
